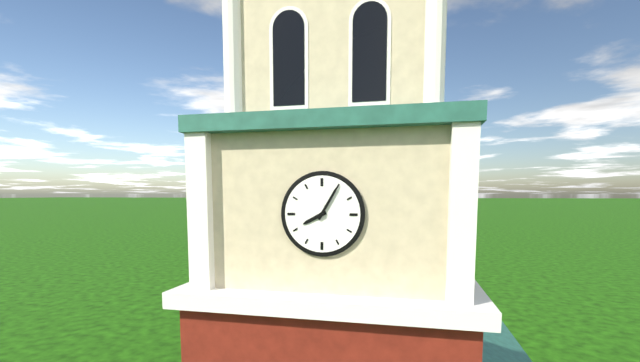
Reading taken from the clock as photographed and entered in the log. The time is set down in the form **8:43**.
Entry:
**8:05**
